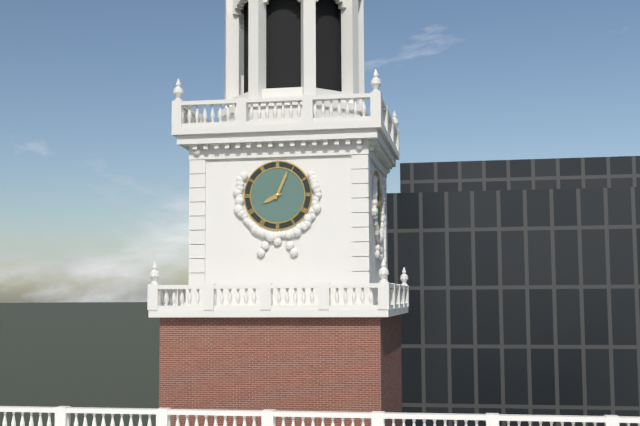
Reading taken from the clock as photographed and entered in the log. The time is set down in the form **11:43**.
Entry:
**8:04**
